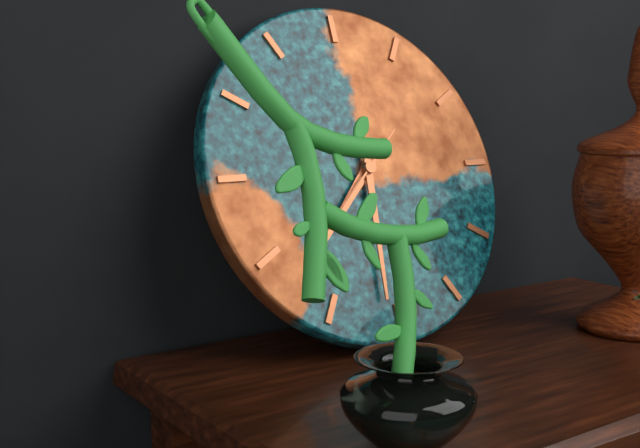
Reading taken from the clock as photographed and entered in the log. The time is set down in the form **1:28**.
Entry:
**7:31**
